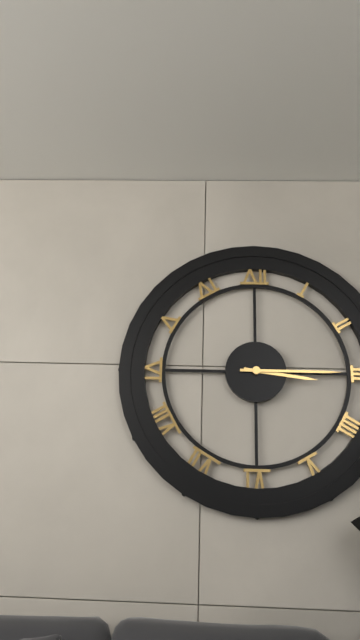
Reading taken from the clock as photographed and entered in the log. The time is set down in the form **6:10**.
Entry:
**3:15**
